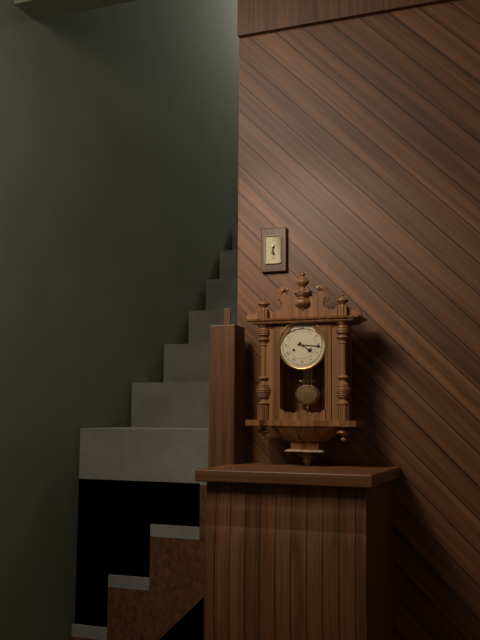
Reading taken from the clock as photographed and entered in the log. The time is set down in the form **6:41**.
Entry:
**4:16**
